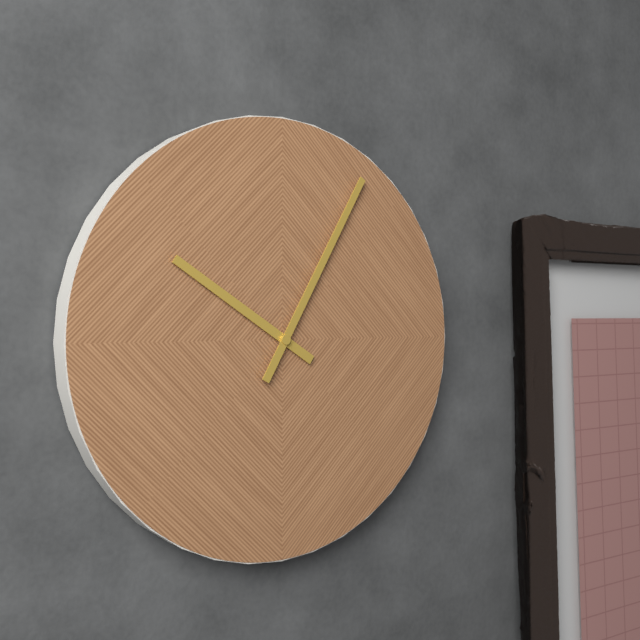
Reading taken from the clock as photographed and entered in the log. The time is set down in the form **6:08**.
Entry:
**10:05**
